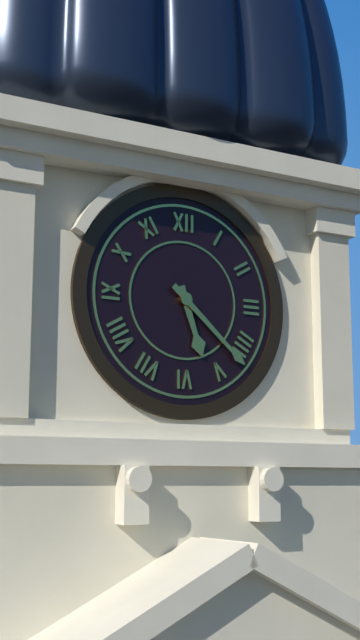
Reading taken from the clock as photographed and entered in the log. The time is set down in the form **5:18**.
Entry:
**5:22**
